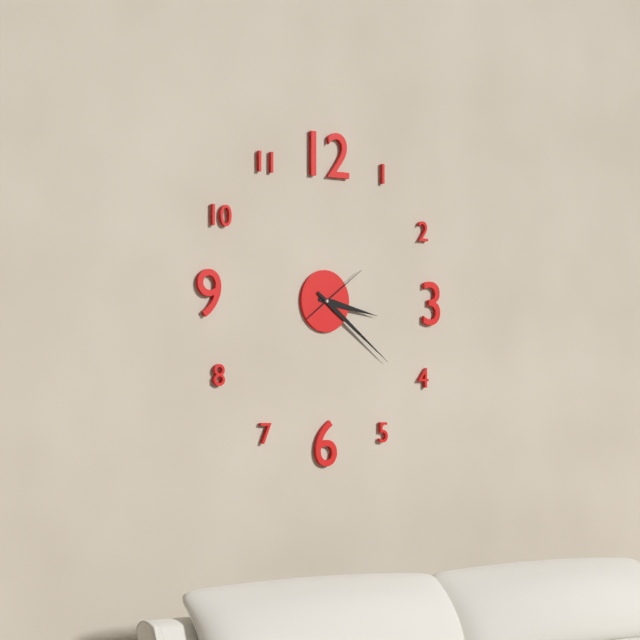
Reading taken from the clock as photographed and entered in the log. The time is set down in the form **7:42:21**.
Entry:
**3:21:09**
